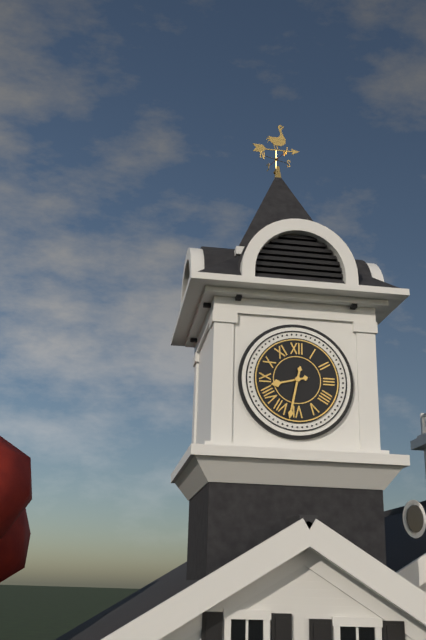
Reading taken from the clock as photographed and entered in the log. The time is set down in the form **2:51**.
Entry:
**8:32**
